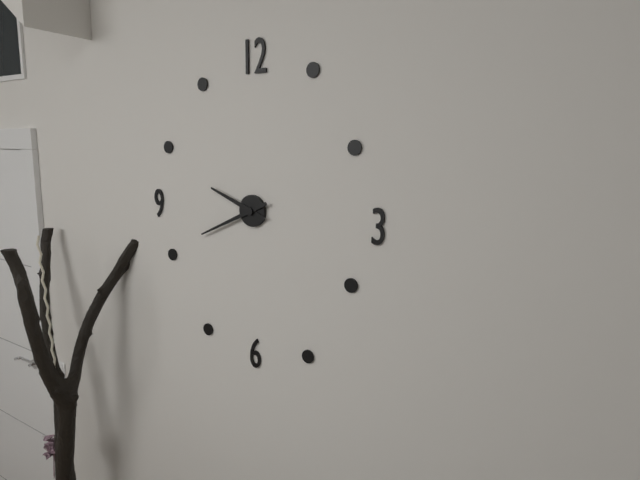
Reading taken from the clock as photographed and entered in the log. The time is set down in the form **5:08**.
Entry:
**9:41**
